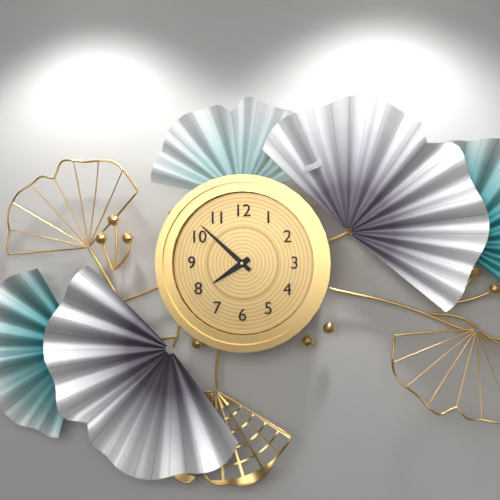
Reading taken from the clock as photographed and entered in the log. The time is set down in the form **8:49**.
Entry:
**7:52**
